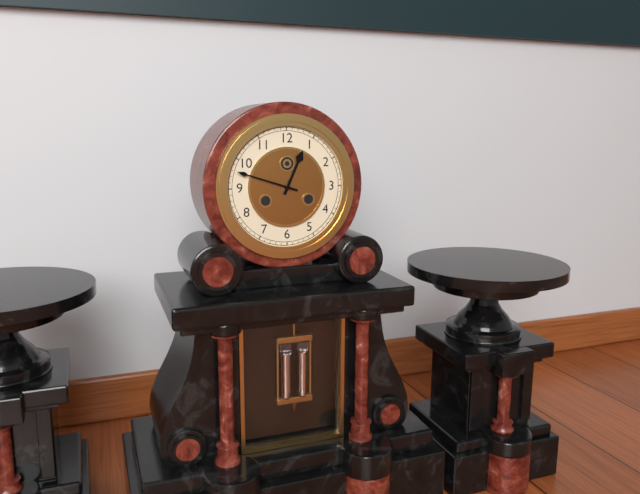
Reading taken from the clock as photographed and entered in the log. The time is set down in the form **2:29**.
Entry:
**12:48**
